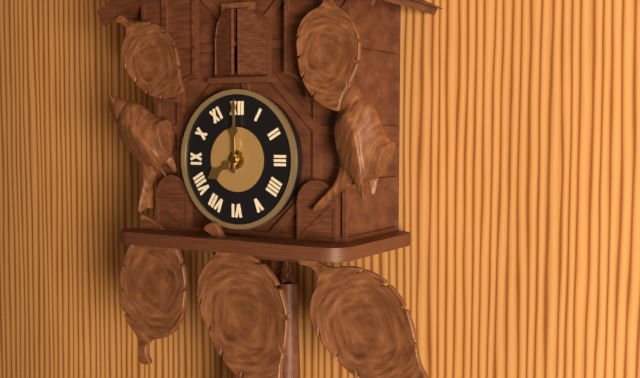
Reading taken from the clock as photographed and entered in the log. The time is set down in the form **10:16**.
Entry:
**8:00**
